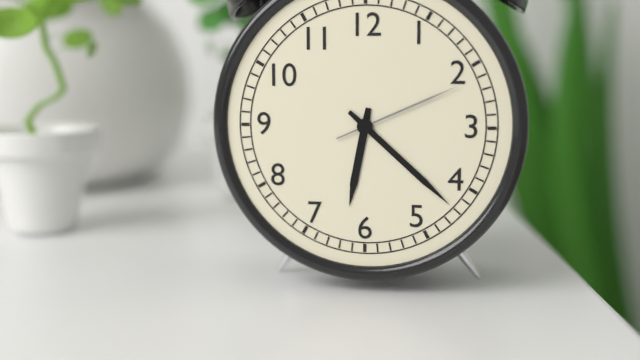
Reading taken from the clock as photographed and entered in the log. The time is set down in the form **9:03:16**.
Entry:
**6:22:11**
